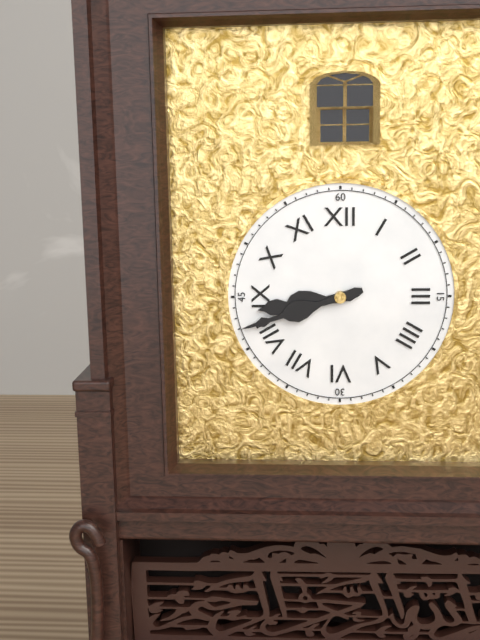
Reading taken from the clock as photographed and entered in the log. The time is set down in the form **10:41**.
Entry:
**8:42**
